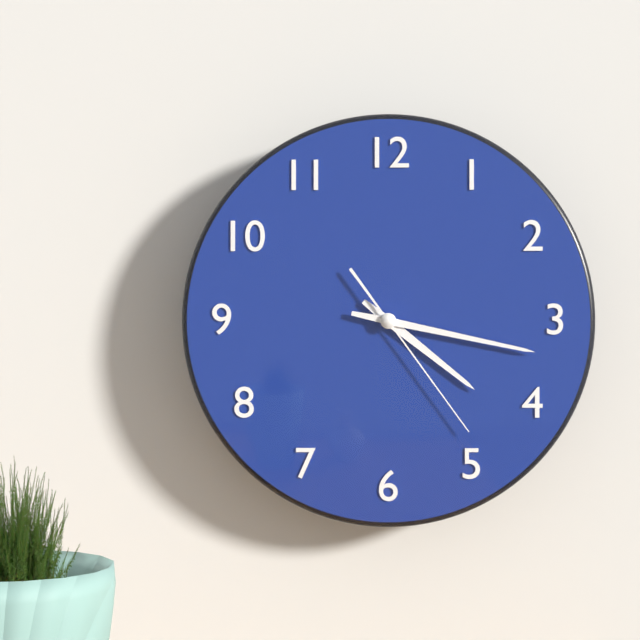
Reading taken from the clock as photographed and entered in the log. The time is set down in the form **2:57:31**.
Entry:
**4:17:24**
